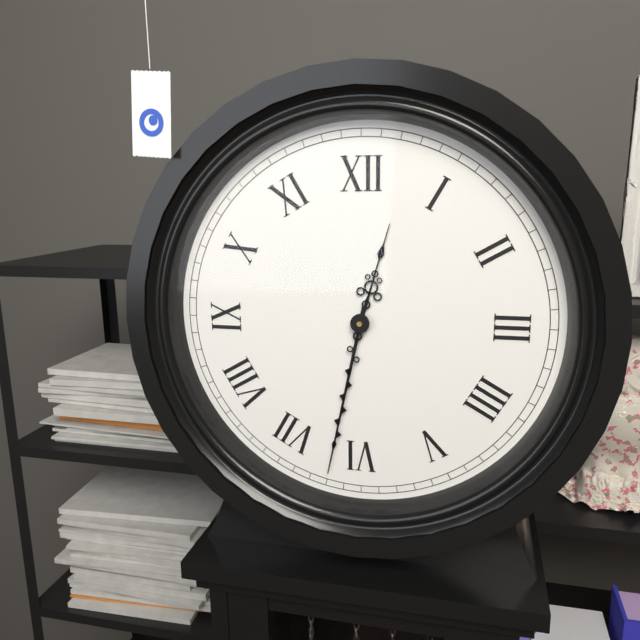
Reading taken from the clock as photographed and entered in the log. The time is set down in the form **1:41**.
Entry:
**12:32**
